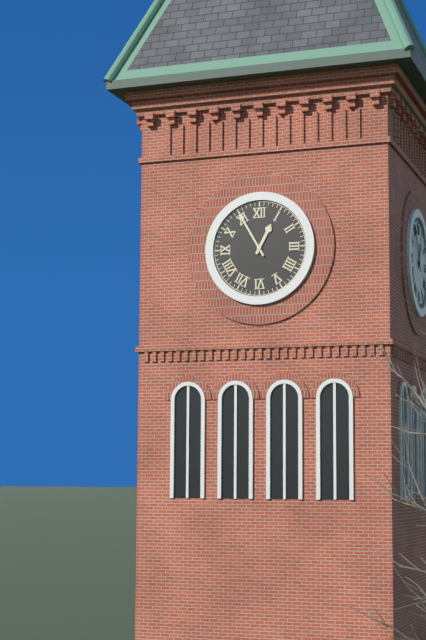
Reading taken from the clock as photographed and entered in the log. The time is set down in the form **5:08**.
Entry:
**12:55**
